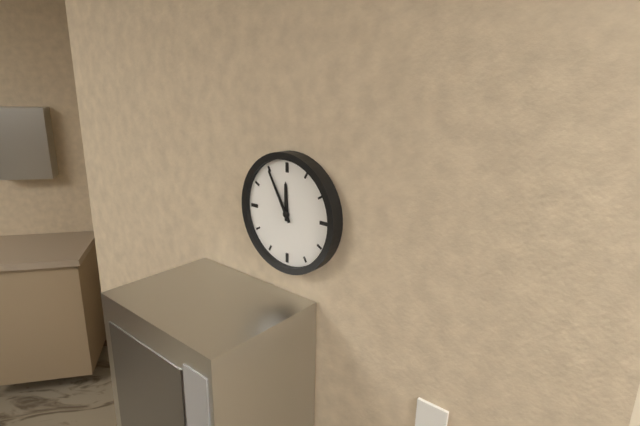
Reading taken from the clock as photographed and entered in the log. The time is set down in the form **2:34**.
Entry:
**11:55**
